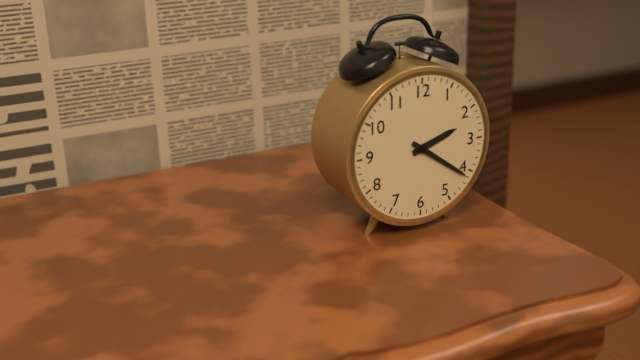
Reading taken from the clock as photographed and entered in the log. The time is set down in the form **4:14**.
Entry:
**2:21**
